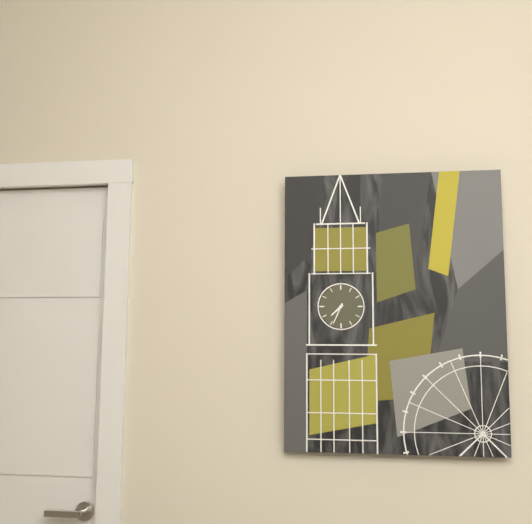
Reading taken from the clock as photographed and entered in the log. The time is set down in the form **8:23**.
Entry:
**7:34**
